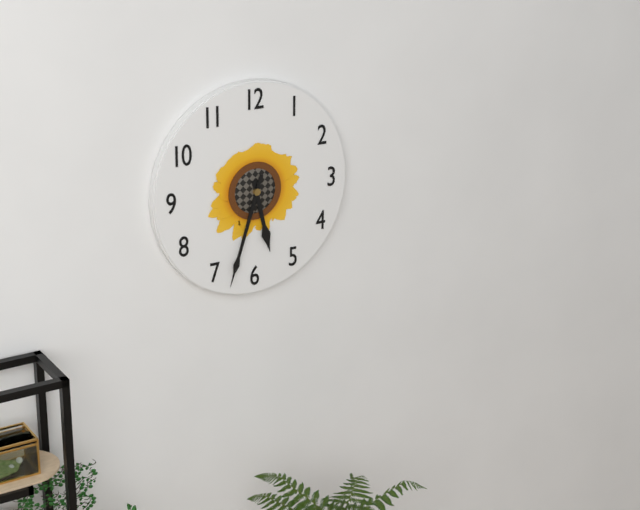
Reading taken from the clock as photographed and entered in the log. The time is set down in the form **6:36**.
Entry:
**5:33**
